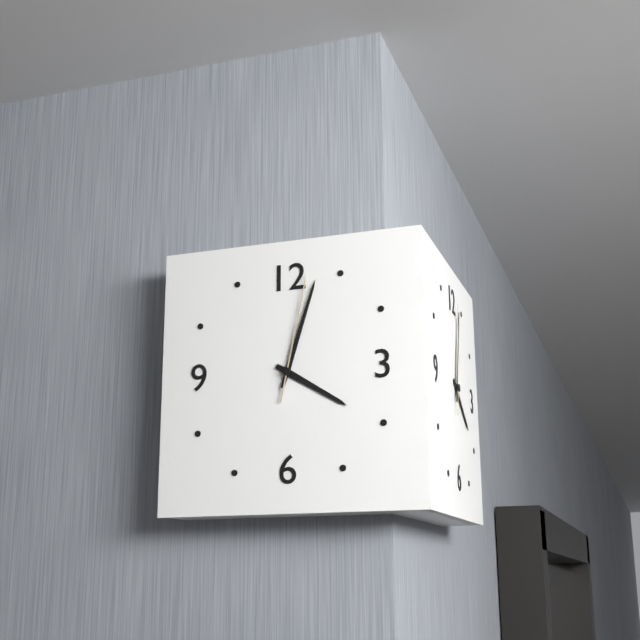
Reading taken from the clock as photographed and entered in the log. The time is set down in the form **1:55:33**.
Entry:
**4:03:02**
